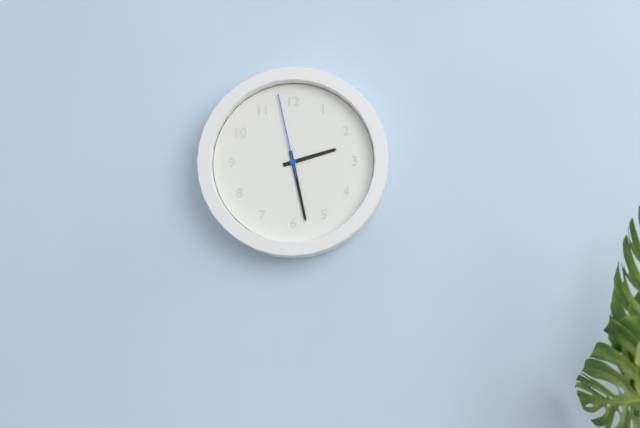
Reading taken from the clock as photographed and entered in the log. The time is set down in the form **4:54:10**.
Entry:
**2:28:58**
